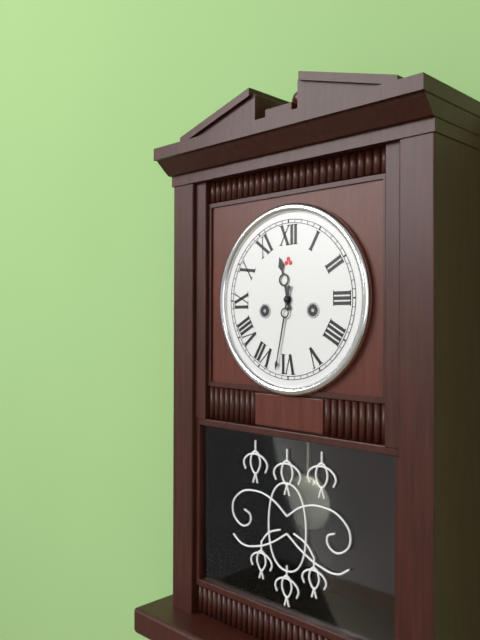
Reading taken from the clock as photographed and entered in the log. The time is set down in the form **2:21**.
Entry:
**11:32**
